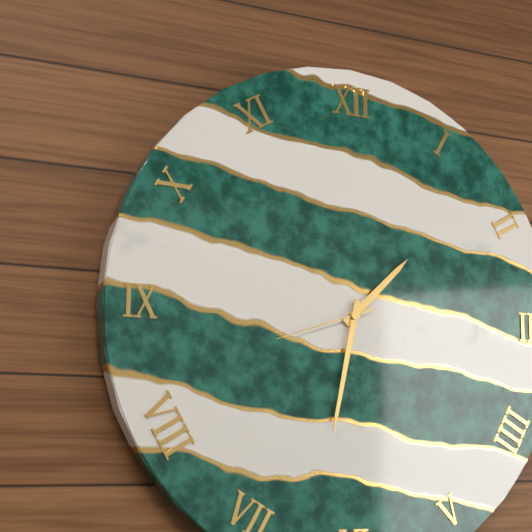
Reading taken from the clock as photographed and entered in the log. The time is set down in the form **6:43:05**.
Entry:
**1:32:42**
